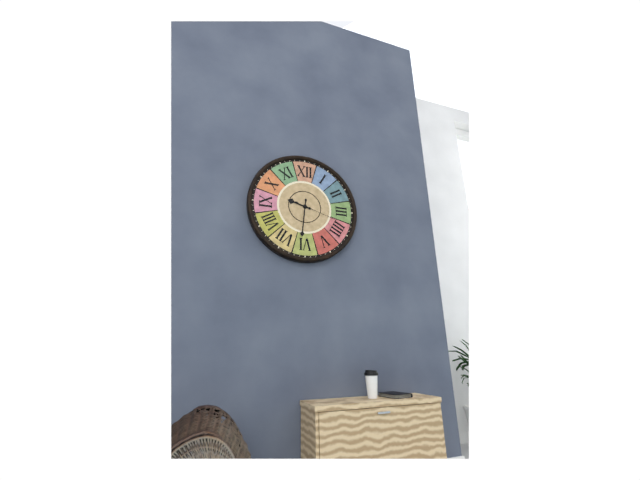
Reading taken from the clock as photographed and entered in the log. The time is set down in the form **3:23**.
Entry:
**9:31**
